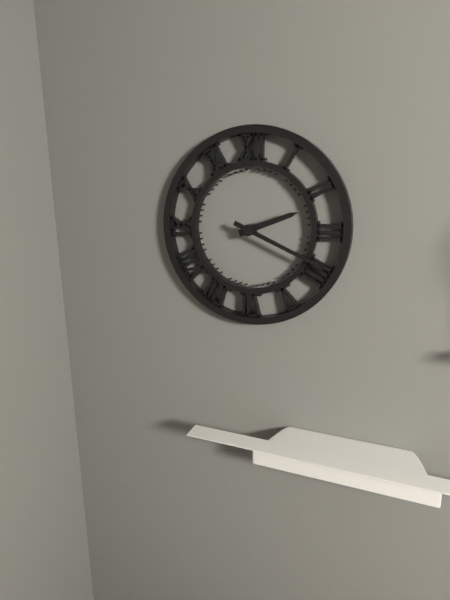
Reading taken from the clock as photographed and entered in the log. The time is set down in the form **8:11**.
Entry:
**2:19**
